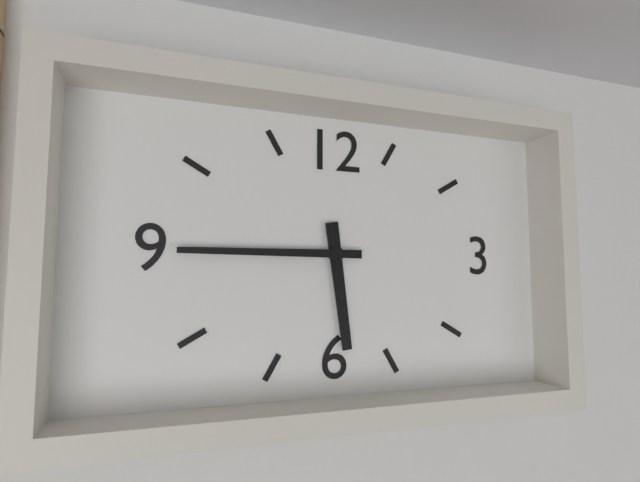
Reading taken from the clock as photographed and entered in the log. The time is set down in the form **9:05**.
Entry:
**5:45**
